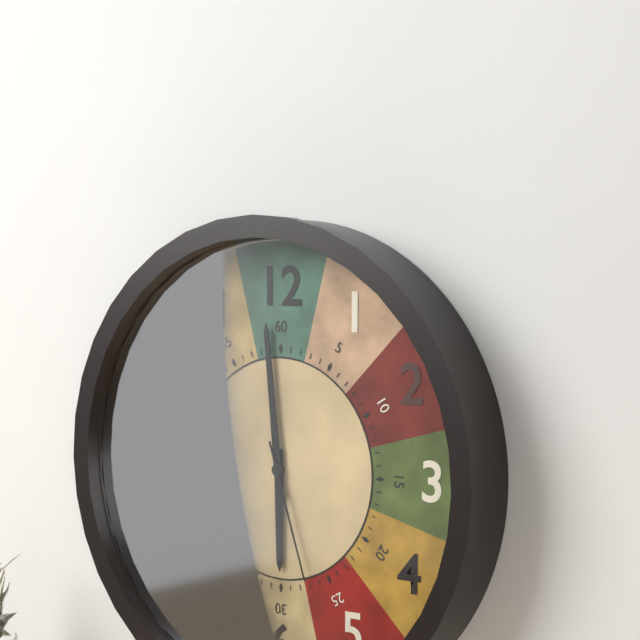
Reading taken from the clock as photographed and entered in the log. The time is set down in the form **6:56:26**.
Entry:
**5:59:27**
